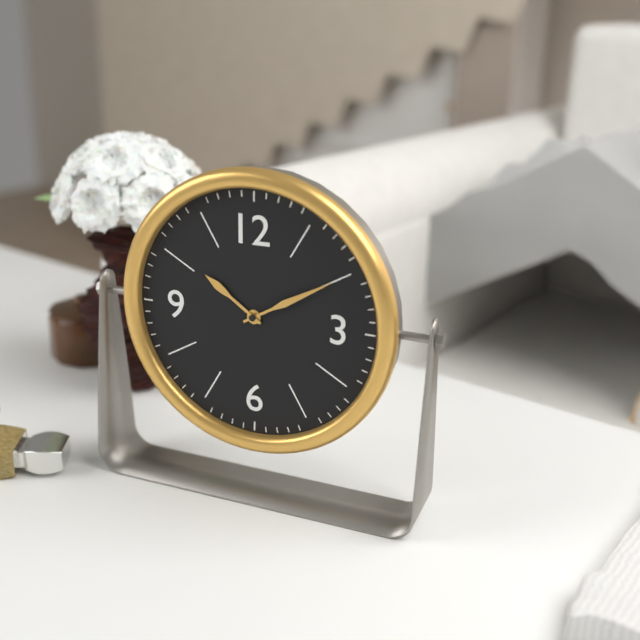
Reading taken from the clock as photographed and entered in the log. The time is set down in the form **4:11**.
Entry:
**10:10**
